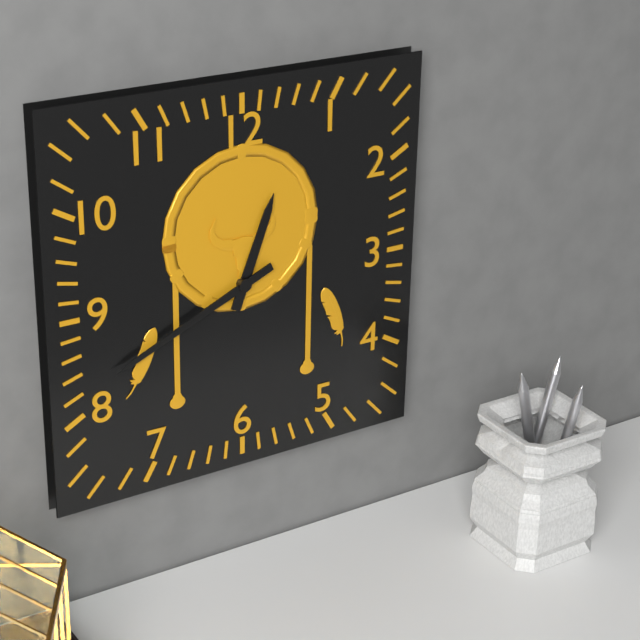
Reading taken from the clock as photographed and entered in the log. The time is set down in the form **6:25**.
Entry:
**12:41**
